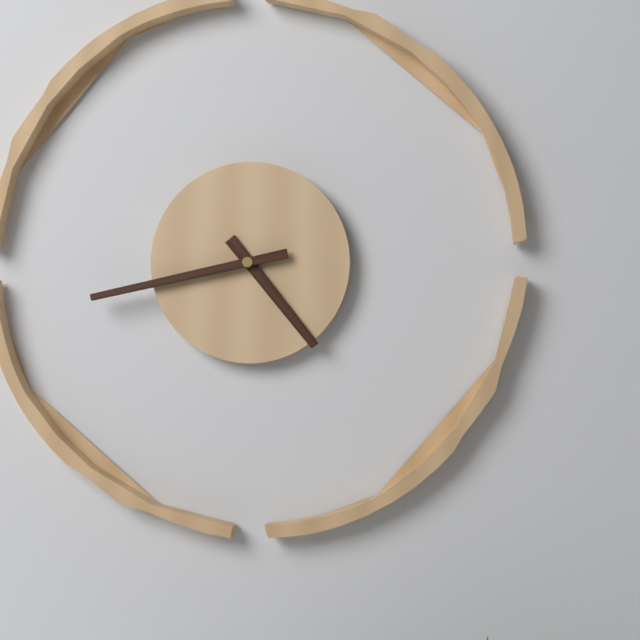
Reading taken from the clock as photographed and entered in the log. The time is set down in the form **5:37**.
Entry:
**4:43**
